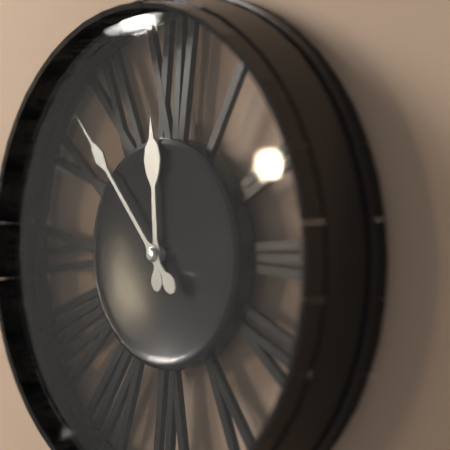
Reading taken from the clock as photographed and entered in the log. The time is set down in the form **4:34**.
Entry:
**11:53**
